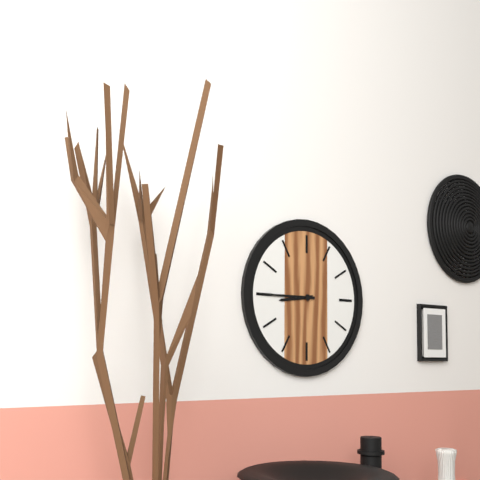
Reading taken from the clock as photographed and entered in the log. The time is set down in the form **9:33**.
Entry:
**8:45**
